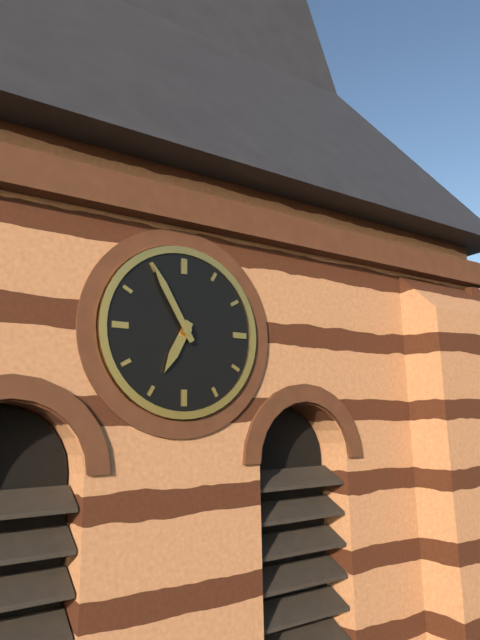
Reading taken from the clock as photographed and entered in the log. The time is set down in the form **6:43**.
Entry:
**6:55**
